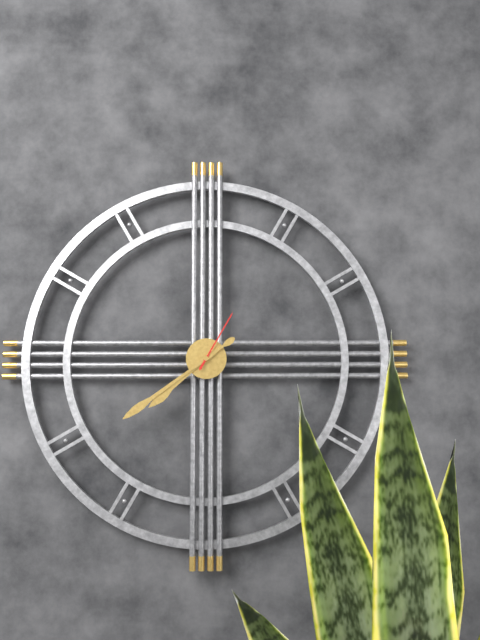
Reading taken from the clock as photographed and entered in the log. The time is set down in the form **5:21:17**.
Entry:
**7:39:05**
